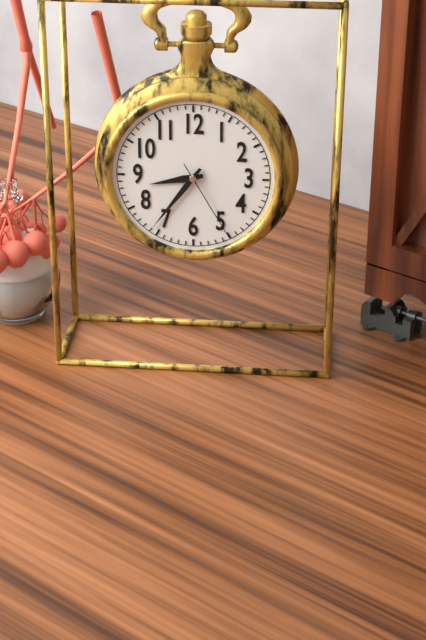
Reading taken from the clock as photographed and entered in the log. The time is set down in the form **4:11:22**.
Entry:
**8:36:25**
